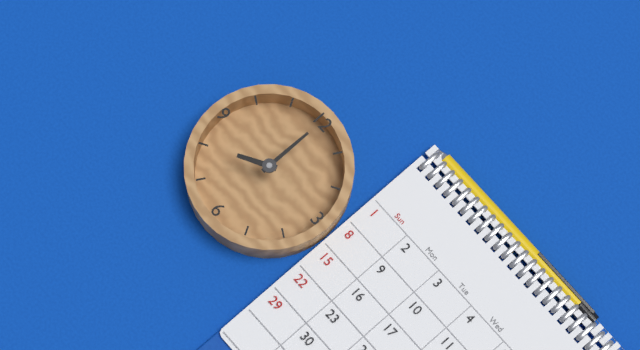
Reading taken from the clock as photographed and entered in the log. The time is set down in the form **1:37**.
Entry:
**8:00**
